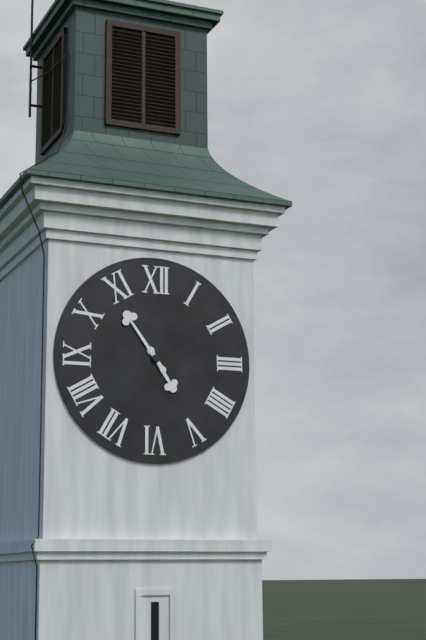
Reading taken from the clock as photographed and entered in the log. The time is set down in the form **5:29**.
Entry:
**4:54**
